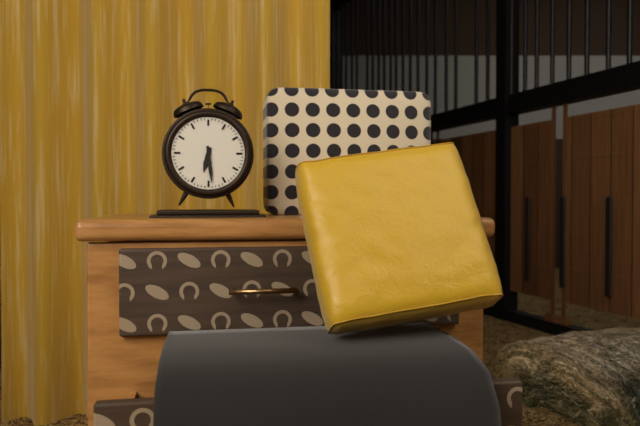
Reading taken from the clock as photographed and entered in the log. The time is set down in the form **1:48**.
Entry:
**6:29**
